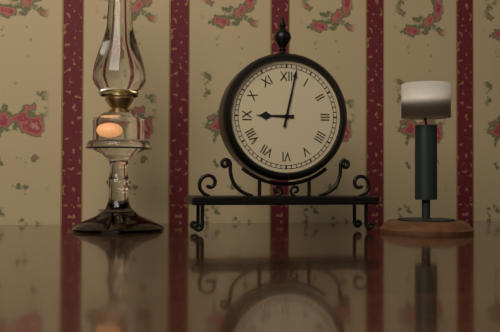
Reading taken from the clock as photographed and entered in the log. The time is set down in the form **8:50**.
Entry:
**9:02**
